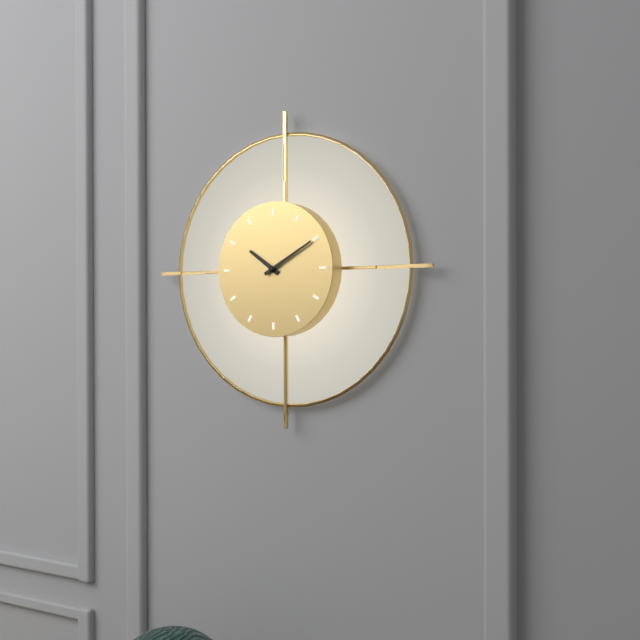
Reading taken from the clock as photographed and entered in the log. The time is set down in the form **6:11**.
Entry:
**10:10**
